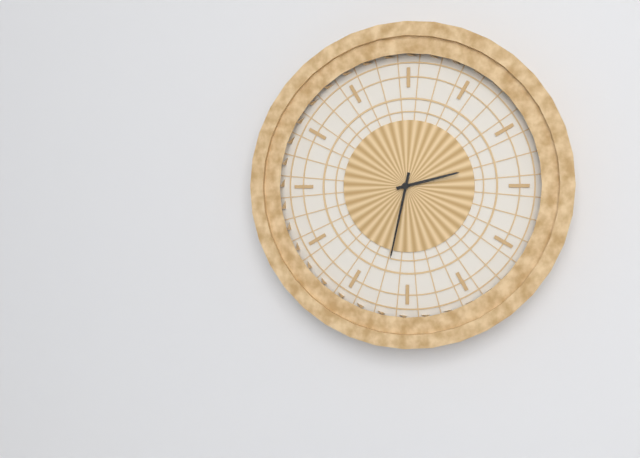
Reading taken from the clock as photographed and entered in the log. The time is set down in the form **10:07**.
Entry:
**2:32**
